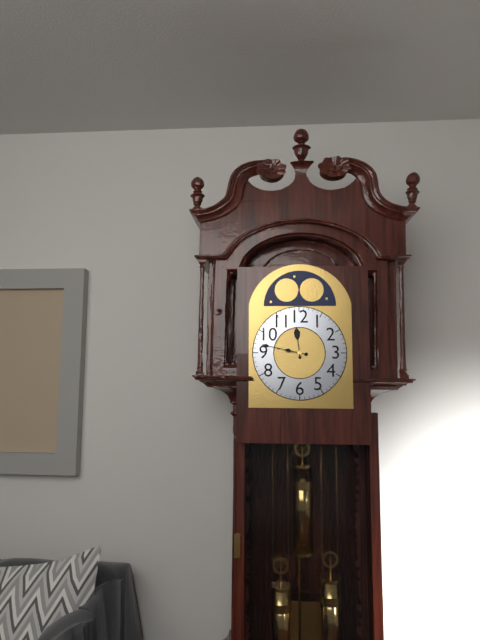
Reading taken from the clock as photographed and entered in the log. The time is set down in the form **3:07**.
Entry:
**11:47**
